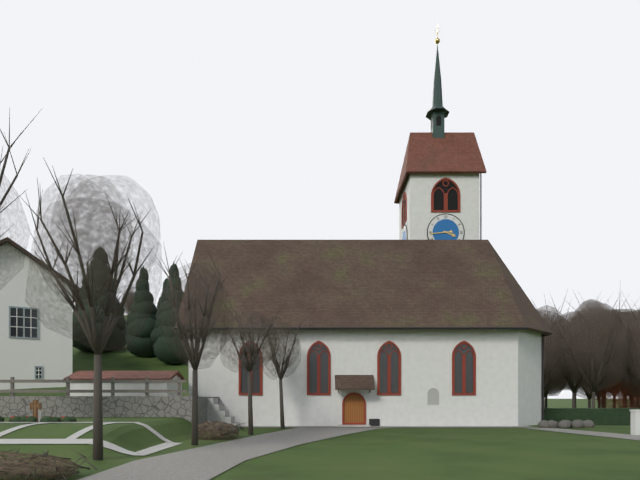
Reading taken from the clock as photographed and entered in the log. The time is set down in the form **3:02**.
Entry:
**3:44**
